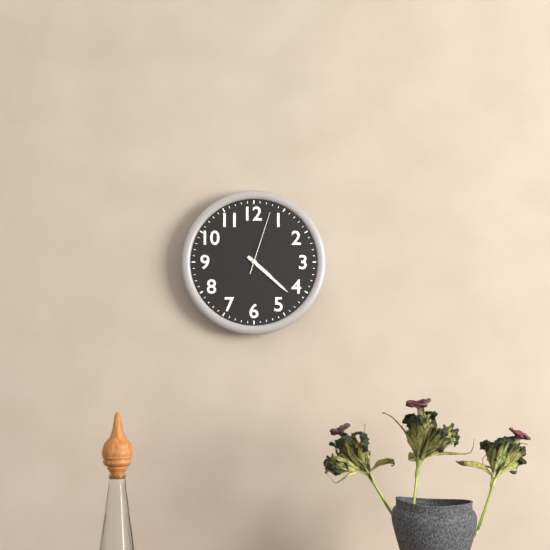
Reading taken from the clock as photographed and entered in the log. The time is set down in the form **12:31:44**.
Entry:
**4:22:03**
